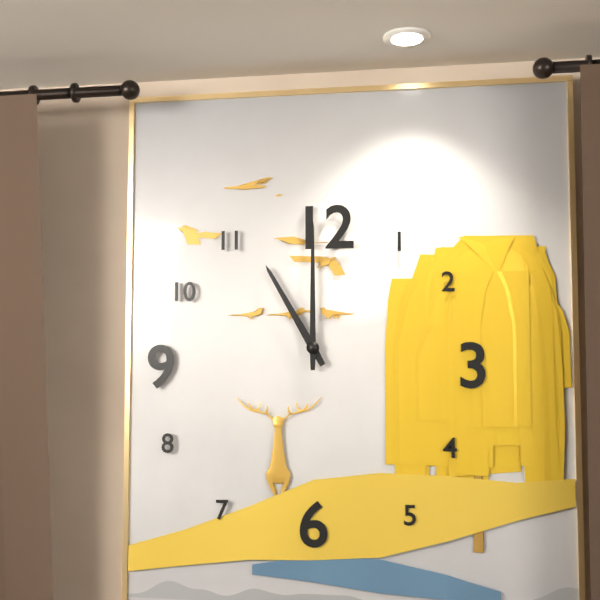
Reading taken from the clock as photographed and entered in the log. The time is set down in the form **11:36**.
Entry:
**11:00**
